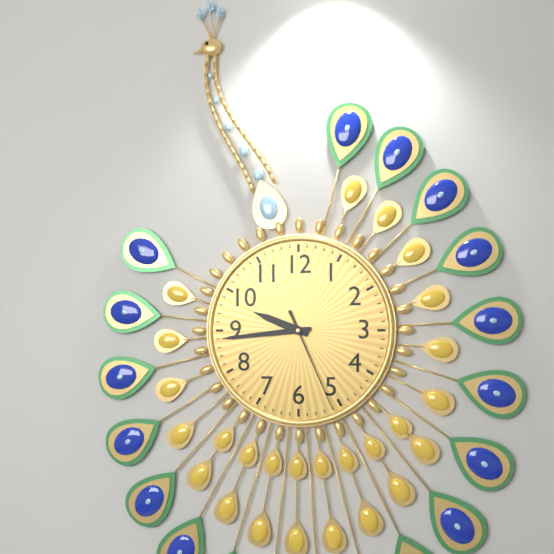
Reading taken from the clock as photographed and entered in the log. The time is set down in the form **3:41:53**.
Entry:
**9:44:26**
